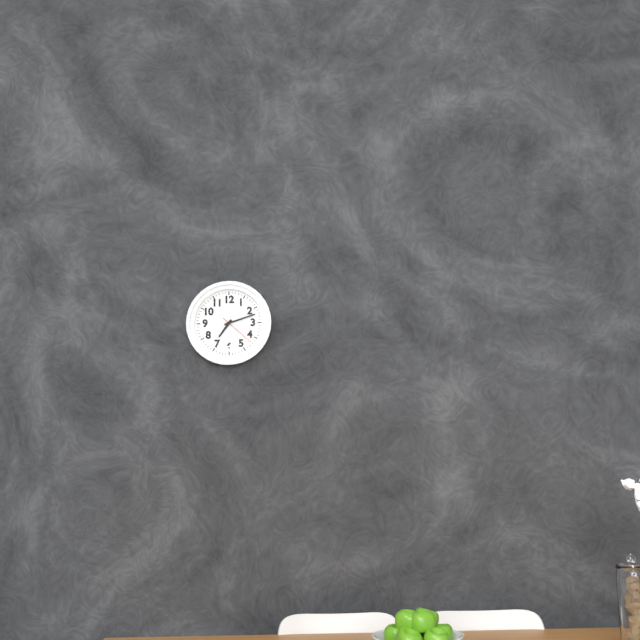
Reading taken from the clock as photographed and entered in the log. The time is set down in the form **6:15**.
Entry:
**7:12**
